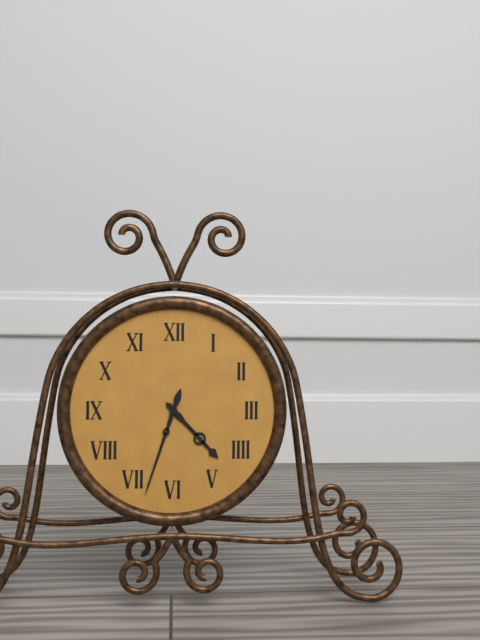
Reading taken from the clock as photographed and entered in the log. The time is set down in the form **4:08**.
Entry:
**4:33**
